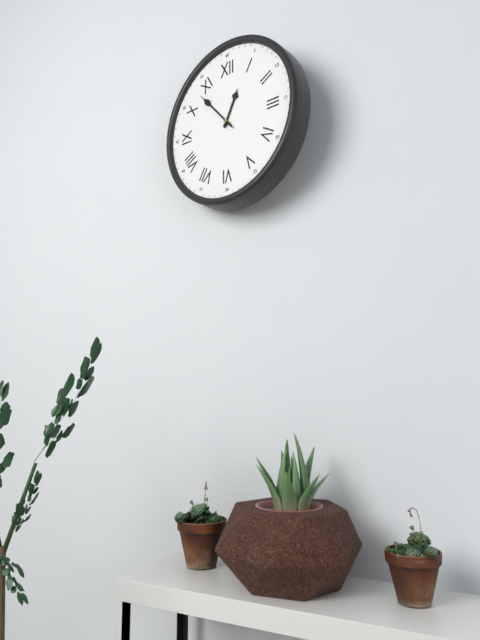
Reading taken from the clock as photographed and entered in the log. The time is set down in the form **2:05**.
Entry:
**12:53**
